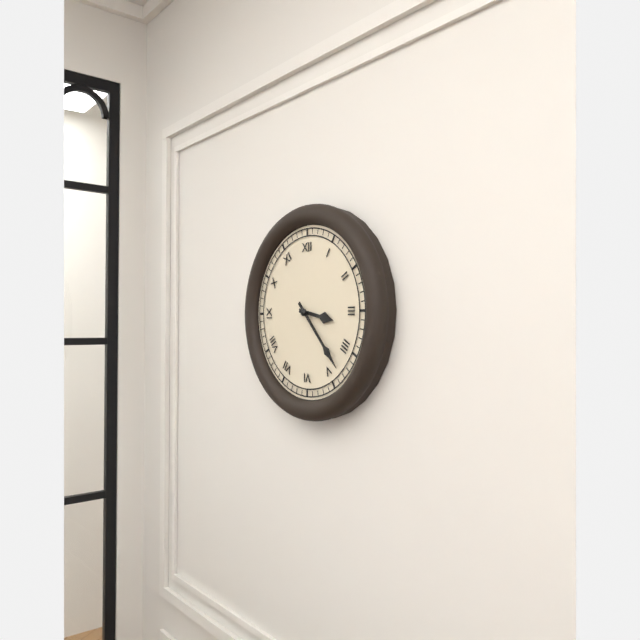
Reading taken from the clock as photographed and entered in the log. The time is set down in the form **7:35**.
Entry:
**3:23**
